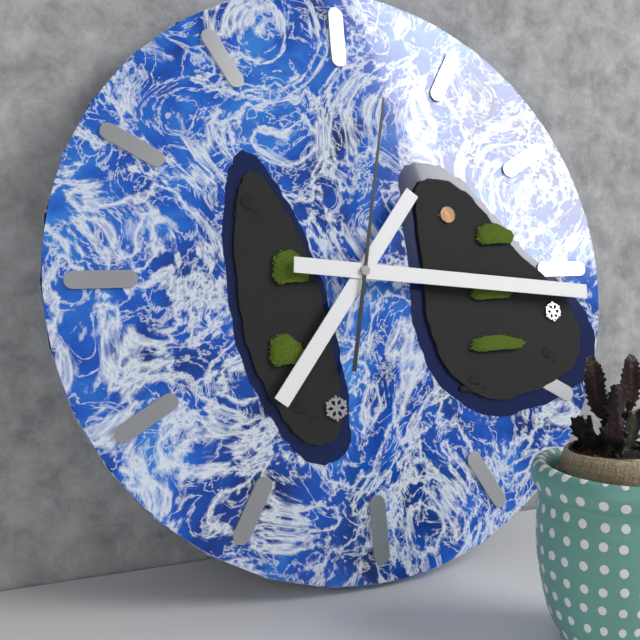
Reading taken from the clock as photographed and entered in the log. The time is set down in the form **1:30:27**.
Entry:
**7:16:02**
